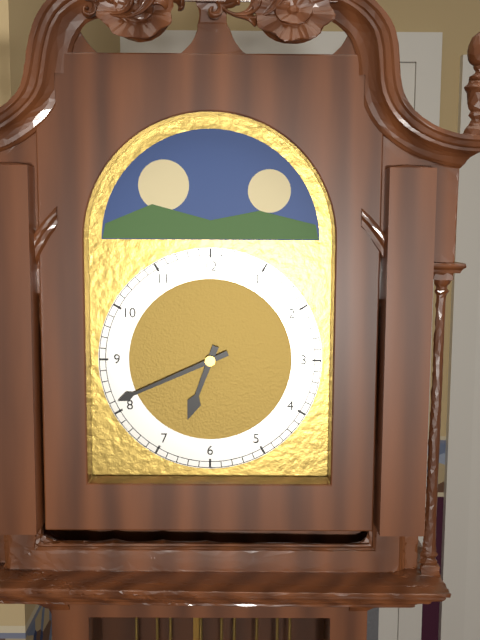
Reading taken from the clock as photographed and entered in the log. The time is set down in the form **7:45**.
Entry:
**6:41**
